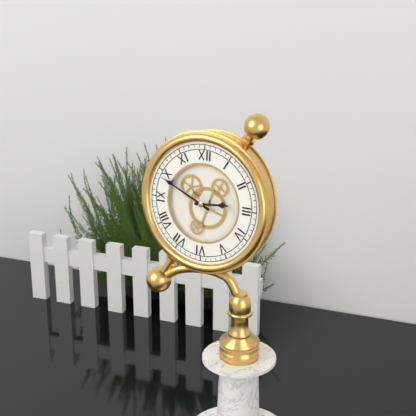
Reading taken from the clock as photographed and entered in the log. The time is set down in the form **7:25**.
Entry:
**2:49**
